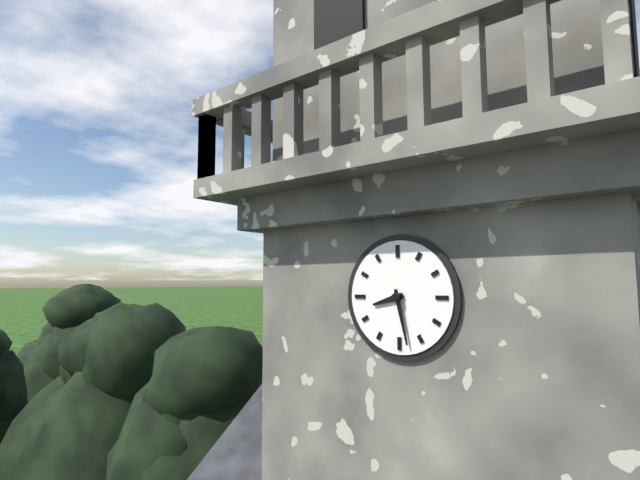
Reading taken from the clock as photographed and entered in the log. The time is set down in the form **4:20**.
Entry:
**8:28**
